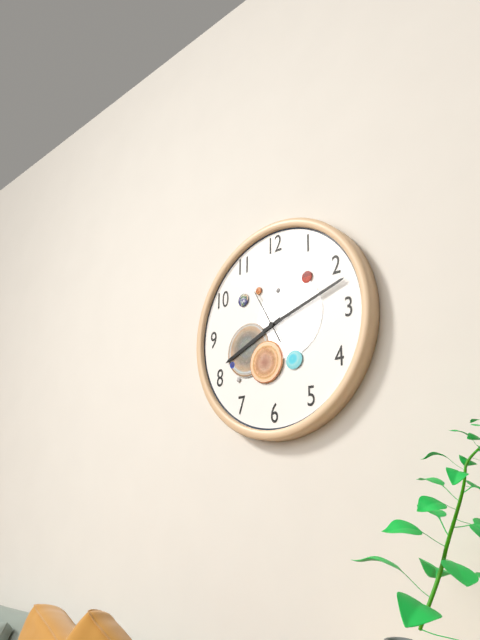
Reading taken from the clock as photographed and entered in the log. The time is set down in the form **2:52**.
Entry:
**8:12**
